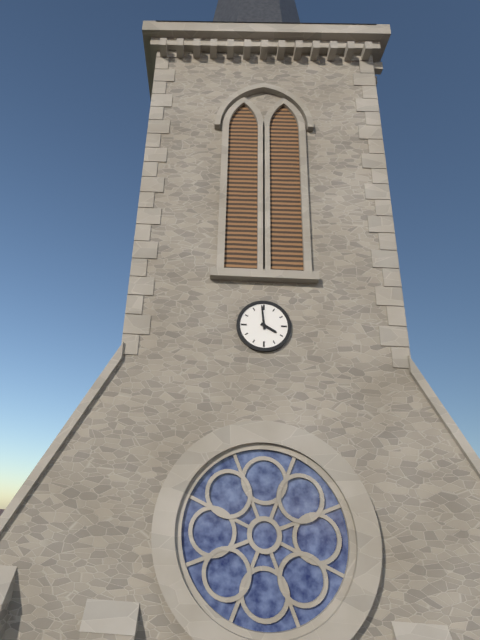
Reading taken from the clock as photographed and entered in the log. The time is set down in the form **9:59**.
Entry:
**3:59**
